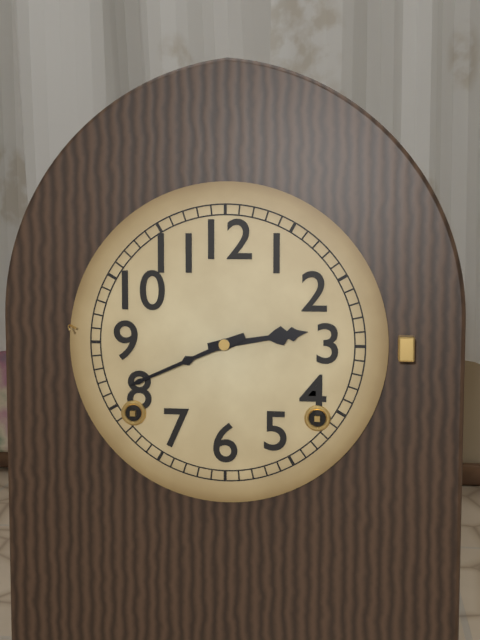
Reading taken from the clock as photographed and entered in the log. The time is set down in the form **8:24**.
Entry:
**2:41**
